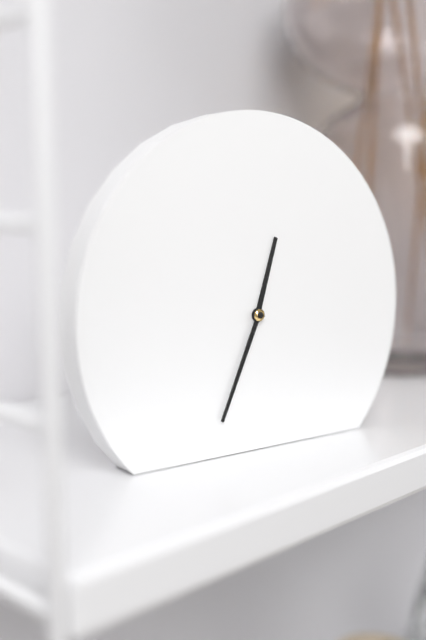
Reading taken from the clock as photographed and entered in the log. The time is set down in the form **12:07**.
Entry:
**12:34**
